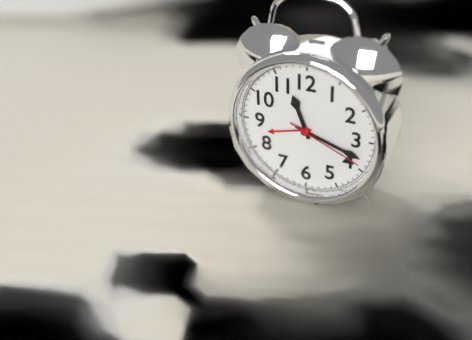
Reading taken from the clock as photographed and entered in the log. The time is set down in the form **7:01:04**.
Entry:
**11:18:19**
